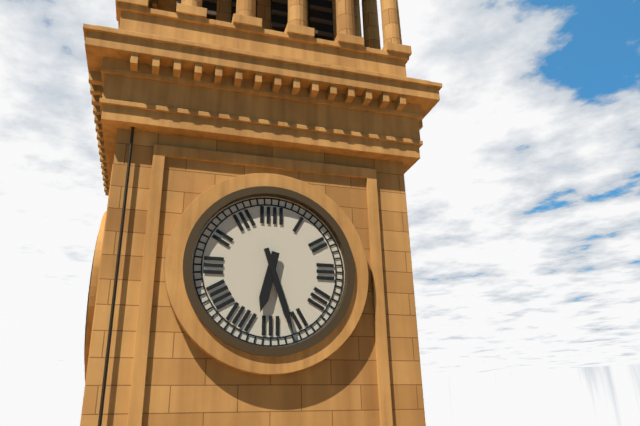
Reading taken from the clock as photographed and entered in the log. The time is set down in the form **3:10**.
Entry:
**6:27**
